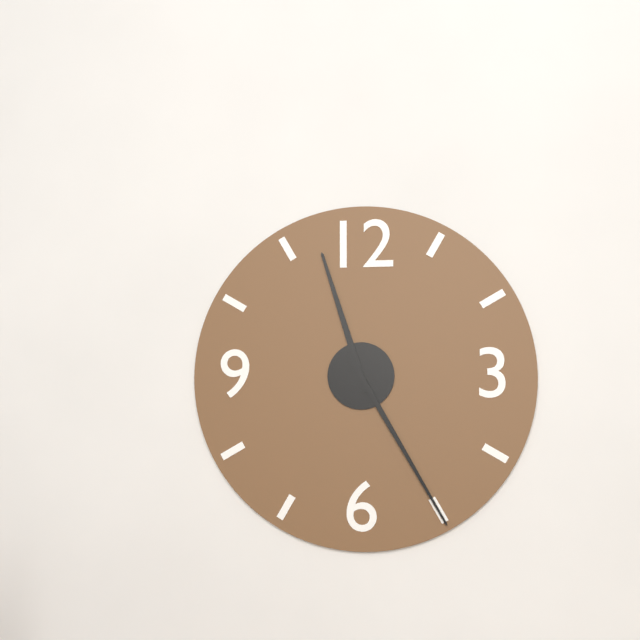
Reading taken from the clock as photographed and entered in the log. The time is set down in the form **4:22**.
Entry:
**11:25**
